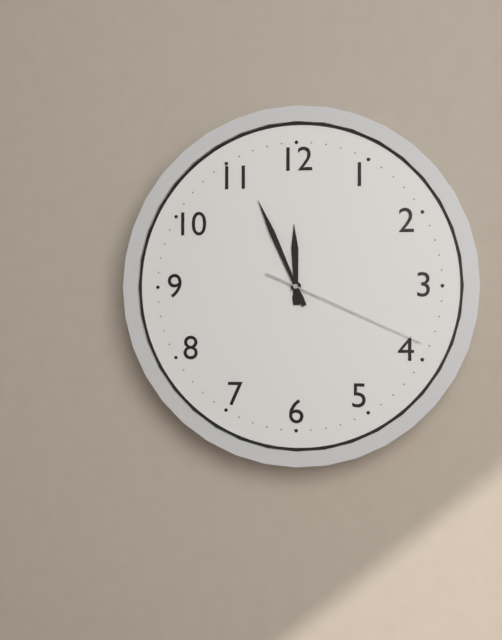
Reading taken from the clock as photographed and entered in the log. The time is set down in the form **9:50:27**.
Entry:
**11:56:19**
